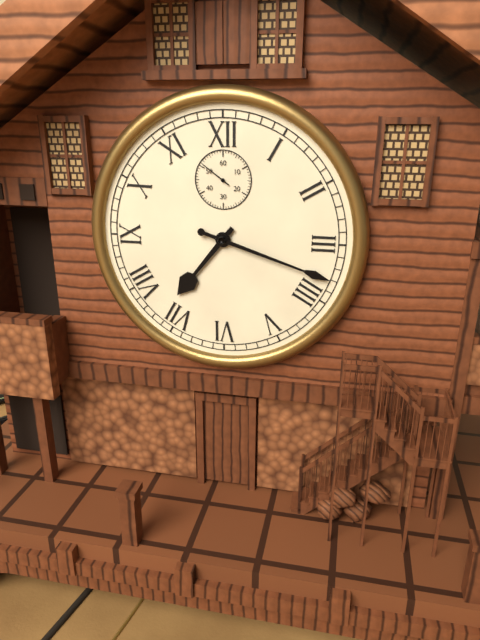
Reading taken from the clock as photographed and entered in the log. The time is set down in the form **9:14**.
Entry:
**7:18**
